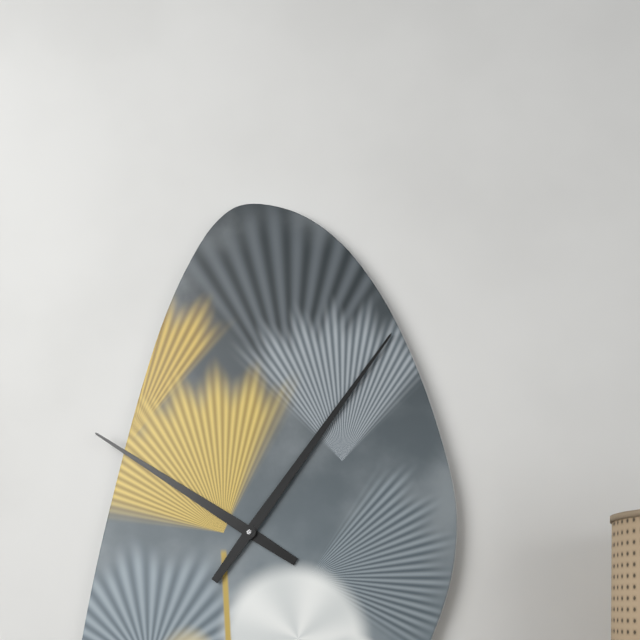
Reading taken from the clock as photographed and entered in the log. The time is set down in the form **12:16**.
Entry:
**10:06**
